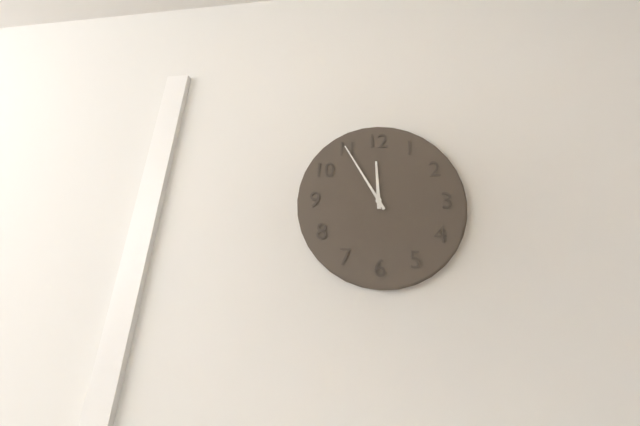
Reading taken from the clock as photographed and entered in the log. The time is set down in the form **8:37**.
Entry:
**11:55**
